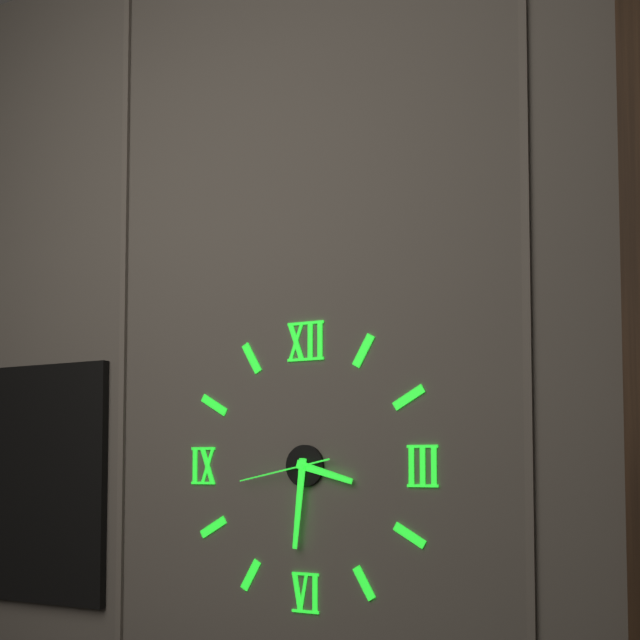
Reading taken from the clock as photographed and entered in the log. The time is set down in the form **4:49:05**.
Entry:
**3:31:43**
